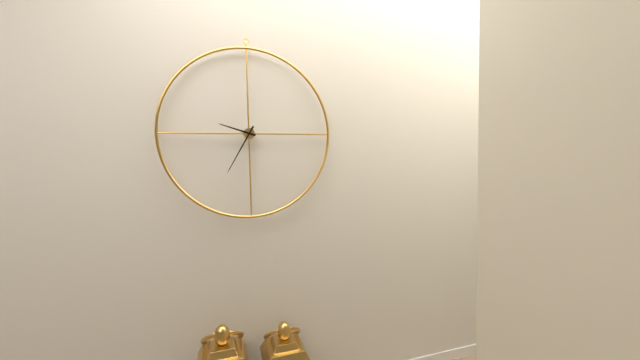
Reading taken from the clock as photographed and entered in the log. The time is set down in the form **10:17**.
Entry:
**9:35**
